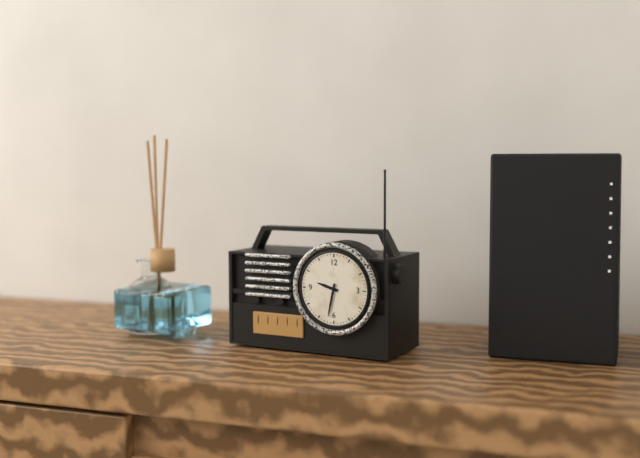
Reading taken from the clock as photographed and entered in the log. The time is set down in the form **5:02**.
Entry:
**9:32**
